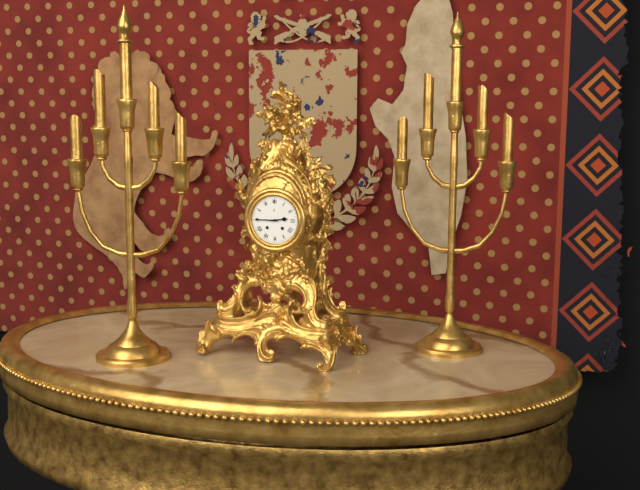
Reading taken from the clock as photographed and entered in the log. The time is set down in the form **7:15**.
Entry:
**2:45**
